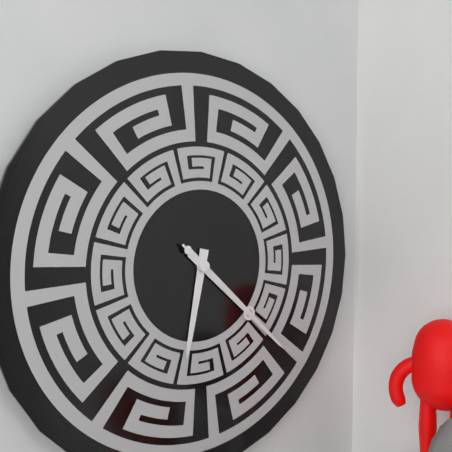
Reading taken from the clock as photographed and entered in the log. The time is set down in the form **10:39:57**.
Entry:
**6:22:22**
